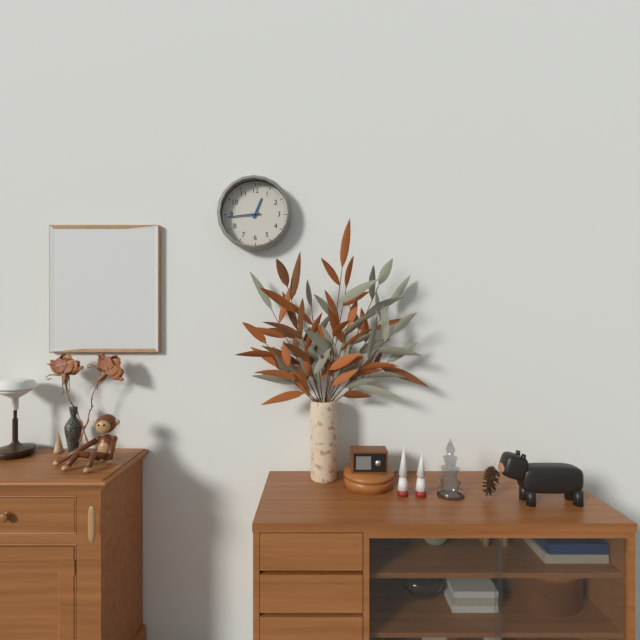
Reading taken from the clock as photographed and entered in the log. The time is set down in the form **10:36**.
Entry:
**12:44**
